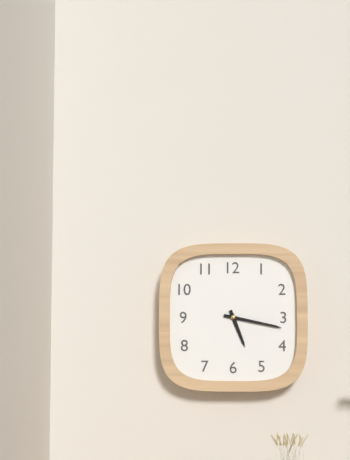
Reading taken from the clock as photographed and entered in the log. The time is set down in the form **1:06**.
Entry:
**5:17**
